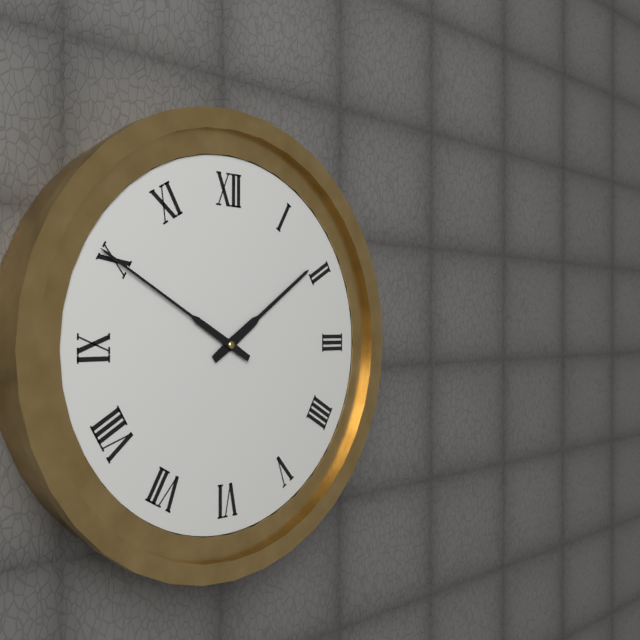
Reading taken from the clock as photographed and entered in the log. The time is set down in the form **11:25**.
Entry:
**1:50**
